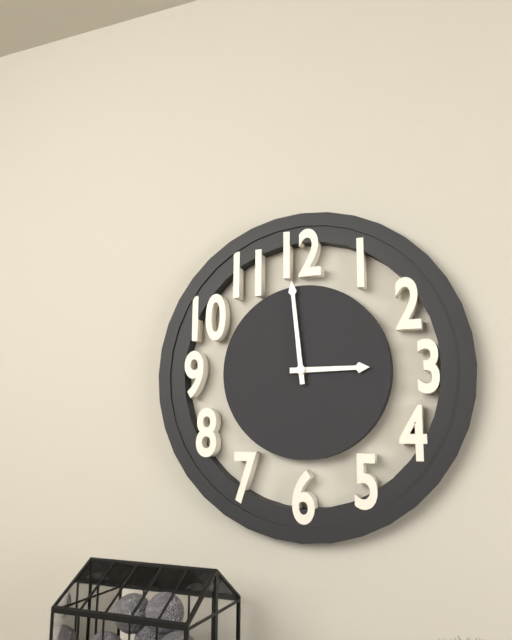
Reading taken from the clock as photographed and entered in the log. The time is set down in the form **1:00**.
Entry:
**2:59**
